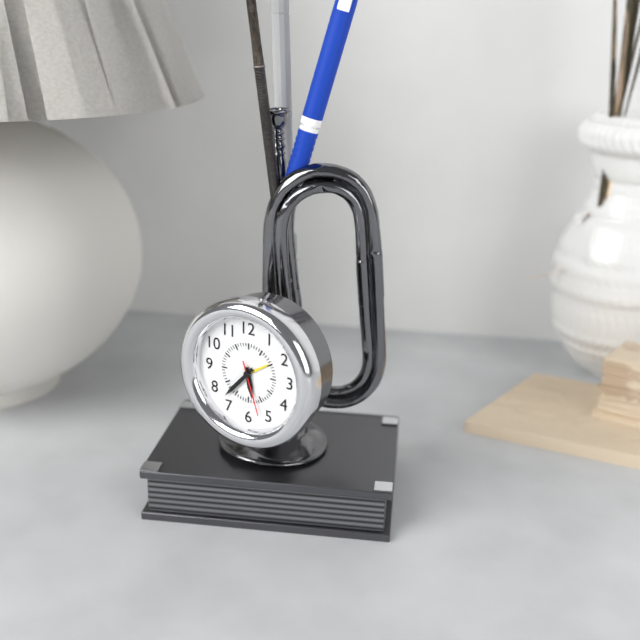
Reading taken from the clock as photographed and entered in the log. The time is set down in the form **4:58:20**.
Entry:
**5:37:27**
